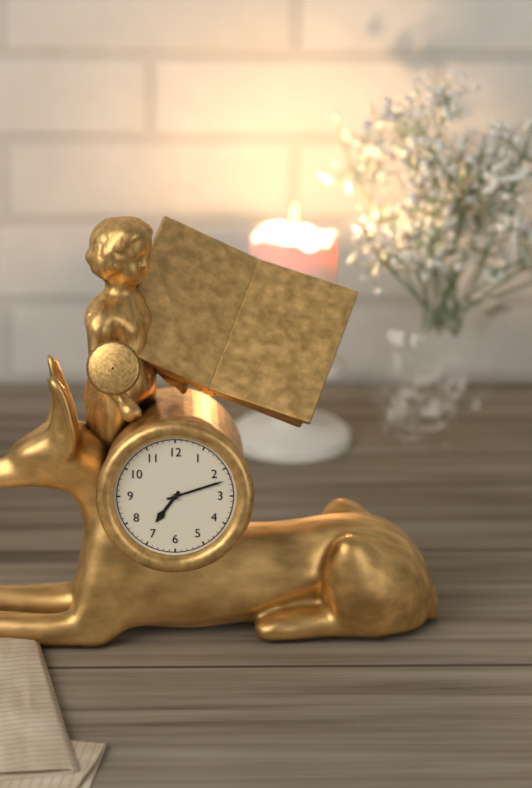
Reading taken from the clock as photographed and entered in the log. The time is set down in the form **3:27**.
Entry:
**7:12**
